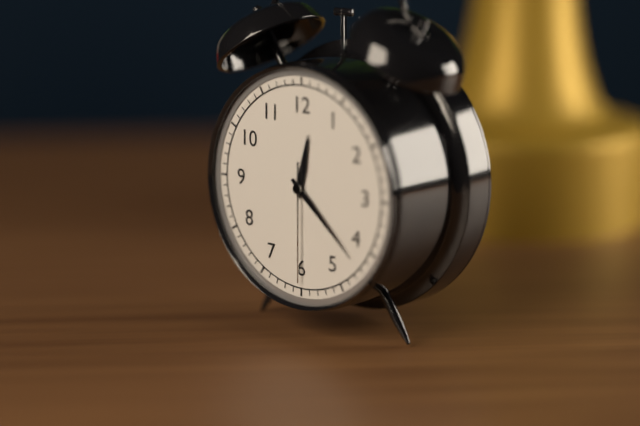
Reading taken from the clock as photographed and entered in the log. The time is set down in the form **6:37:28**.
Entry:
**12:22:30**
